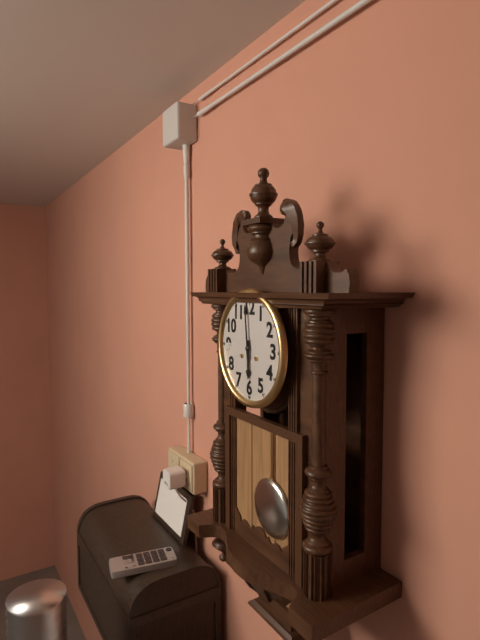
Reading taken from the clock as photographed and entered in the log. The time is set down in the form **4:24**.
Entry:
**5:59**
